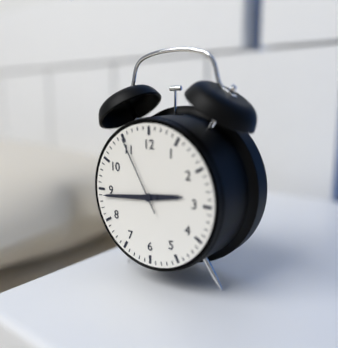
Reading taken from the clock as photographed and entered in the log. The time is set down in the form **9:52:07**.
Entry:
**2:44:55**
